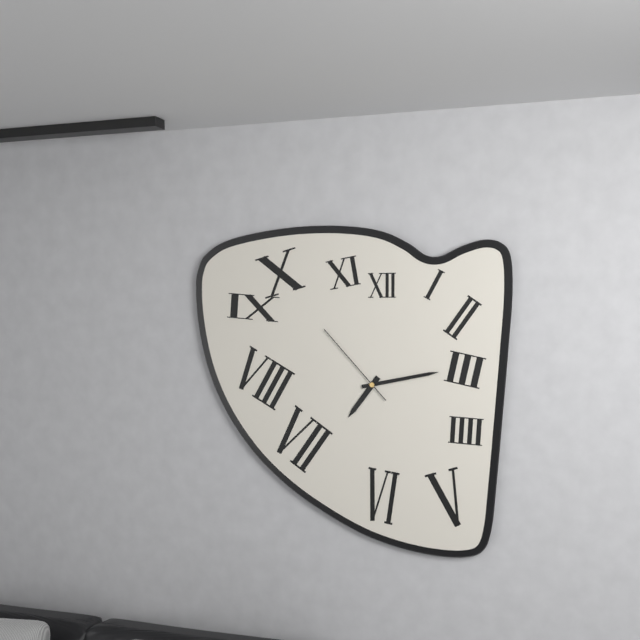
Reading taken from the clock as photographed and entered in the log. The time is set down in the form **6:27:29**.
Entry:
**7:13:53**
